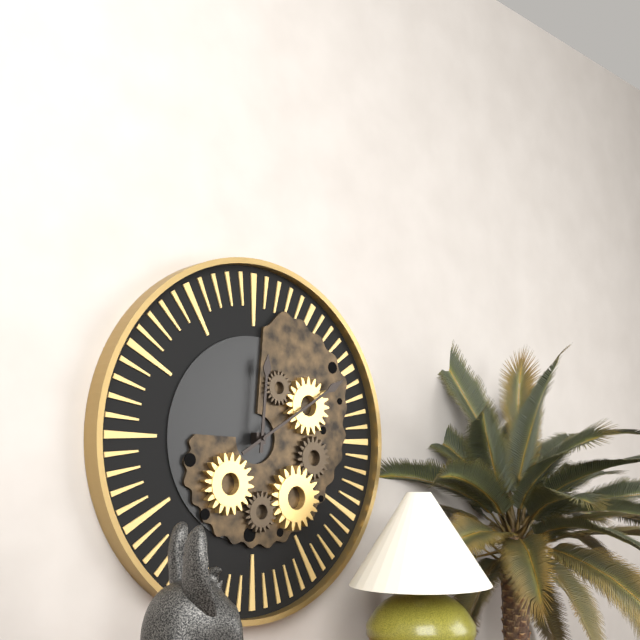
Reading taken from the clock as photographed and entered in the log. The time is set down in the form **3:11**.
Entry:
**12:10**
